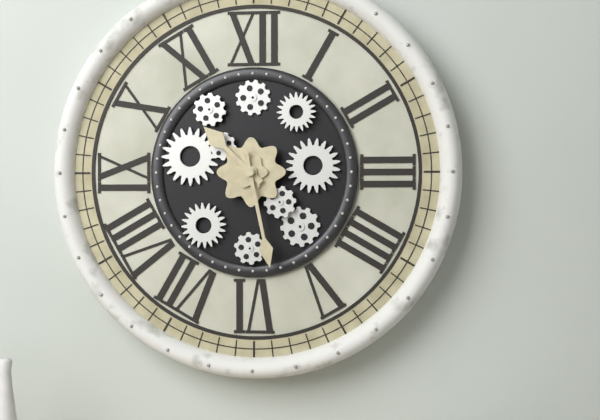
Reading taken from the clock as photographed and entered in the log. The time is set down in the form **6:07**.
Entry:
**10:28**
